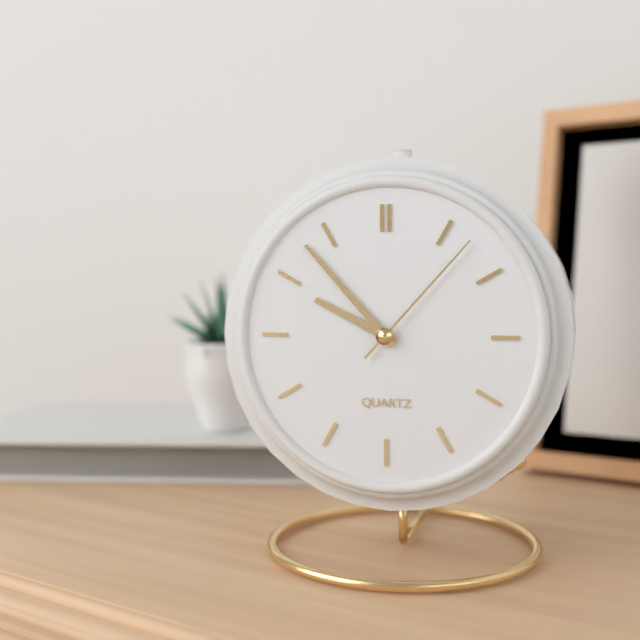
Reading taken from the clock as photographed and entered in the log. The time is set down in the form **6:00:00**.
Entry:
**9:53:07**
